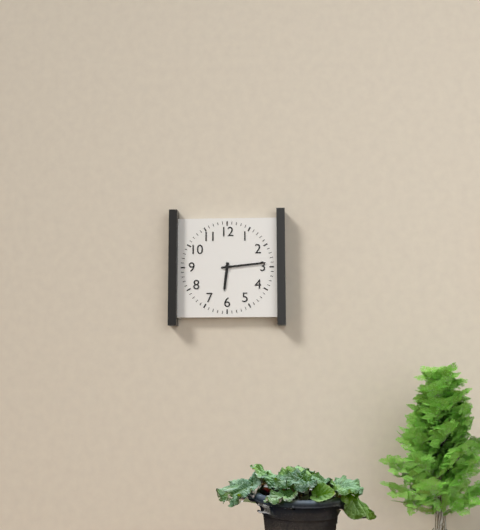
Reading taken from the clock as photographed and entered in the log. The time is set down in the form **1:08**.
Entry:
**6:14**
